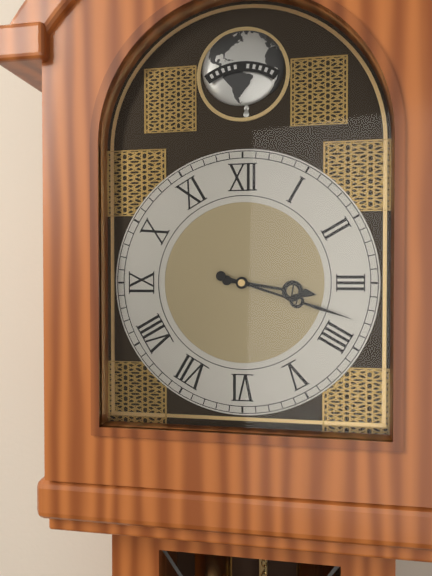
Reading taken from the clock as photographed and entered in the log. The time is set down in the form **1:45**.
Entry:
**3:18**
